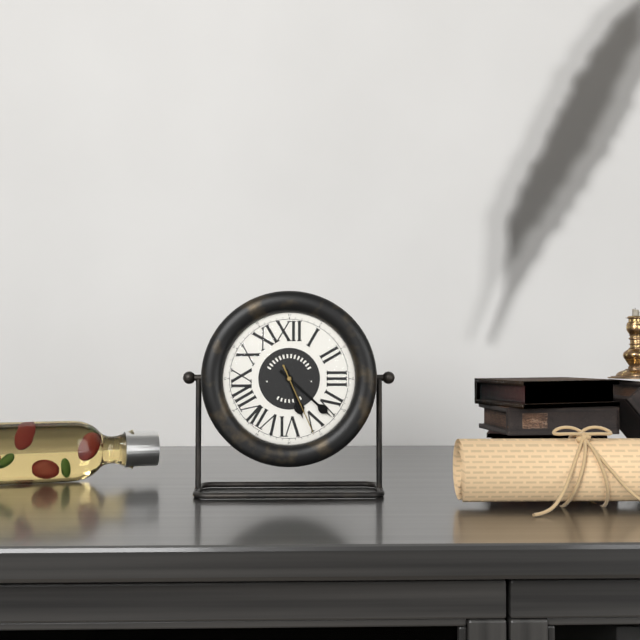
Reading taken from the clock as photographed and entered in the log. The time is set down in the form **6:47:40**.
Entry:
**5:22:26**
